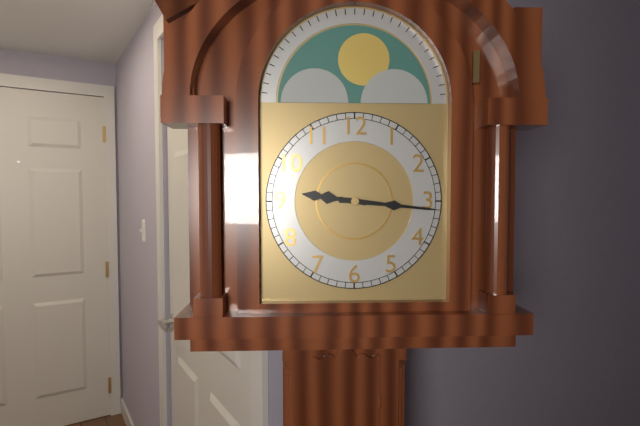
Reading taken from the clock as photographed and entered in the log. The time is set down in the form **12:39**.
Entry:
**9:16**
